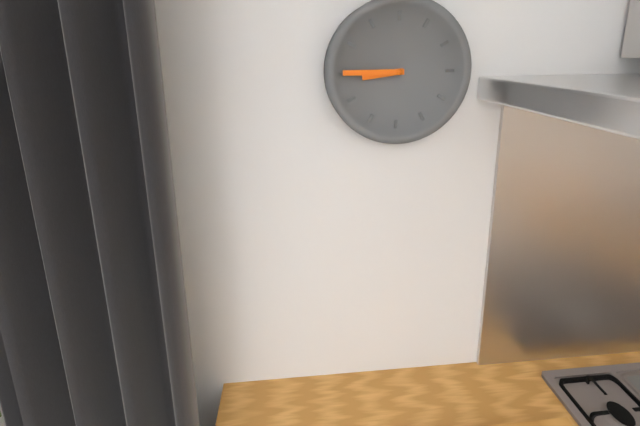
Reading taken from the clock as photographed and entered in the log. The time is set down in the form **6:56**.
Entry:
**8:45**
